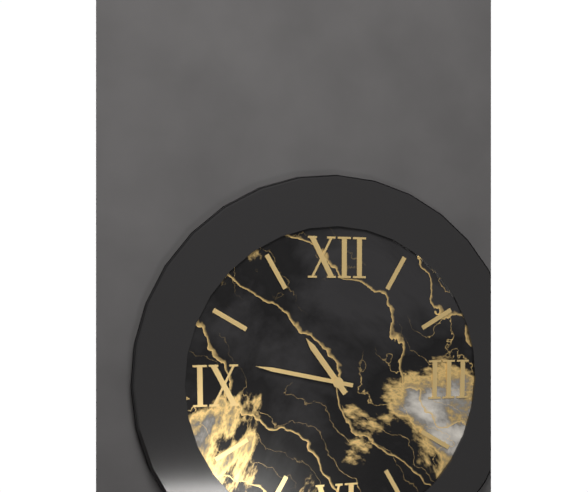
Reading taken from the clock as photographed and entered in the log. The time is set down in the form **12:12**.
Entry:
**10:47**
